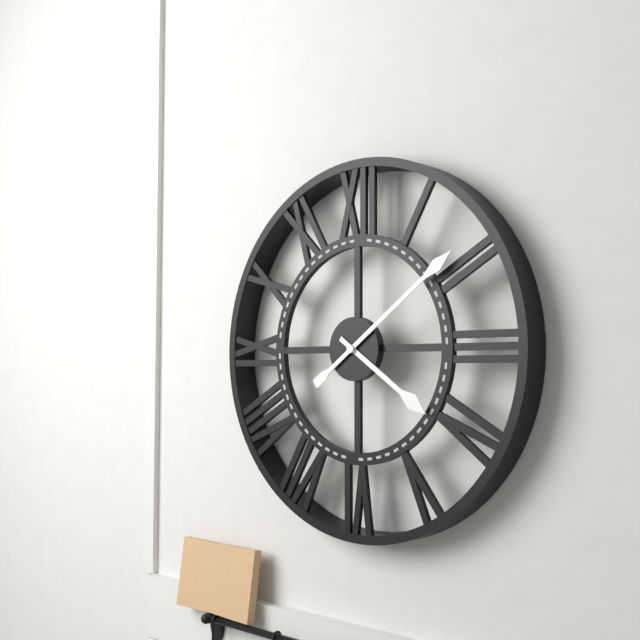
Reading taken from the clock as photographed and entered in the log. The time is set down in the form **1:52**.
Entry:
**4:09**
